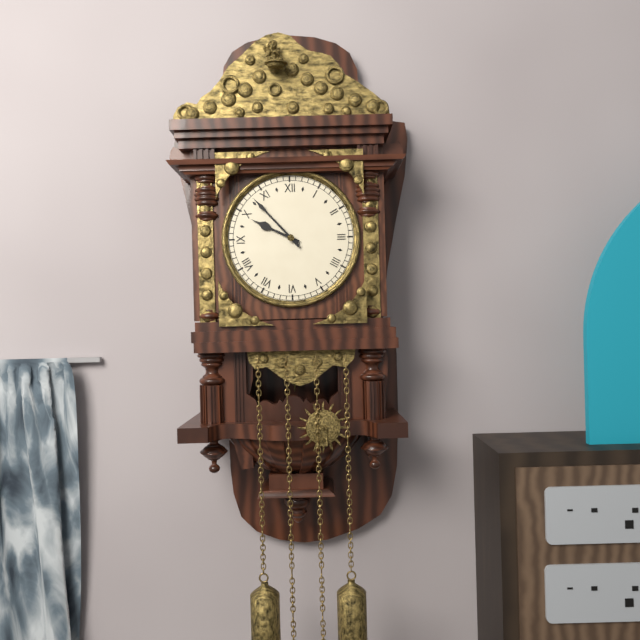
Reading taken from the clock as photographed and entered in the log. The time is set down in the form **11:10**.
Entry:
**9:53**
